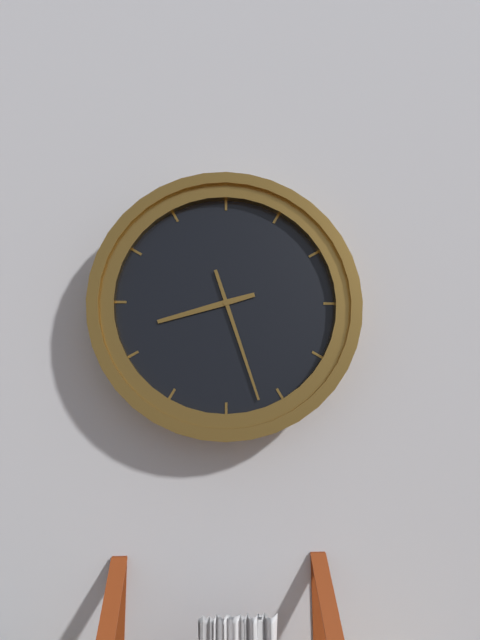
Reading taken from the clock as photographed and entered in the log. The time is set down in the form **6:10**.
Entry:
**8:27**
